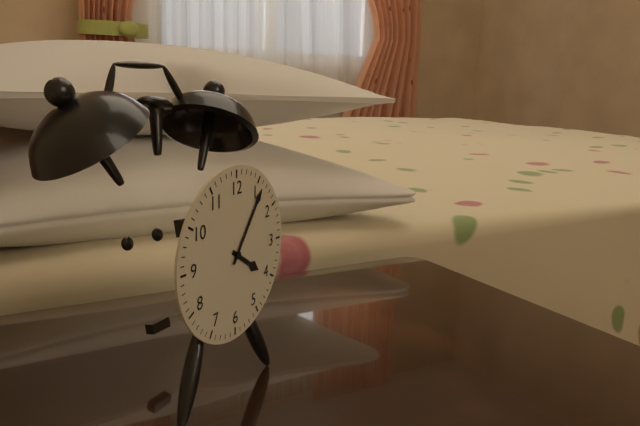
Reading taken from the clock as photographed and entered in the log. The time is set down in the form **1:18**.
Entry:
**4:06**
